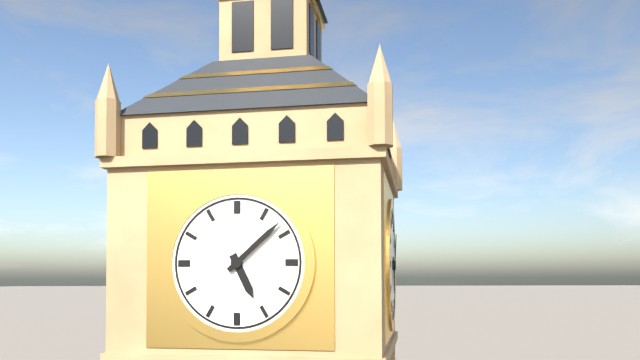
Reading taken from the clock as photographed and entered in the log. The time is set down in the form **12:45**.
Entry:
**5:08**
